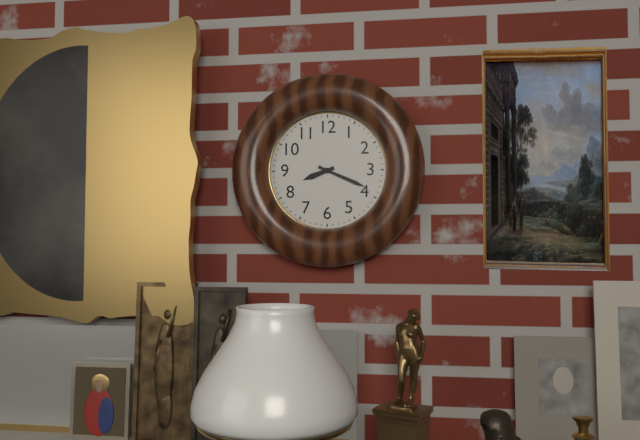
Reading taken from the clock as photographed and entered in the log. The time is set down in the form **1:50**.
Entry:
**8:19**
